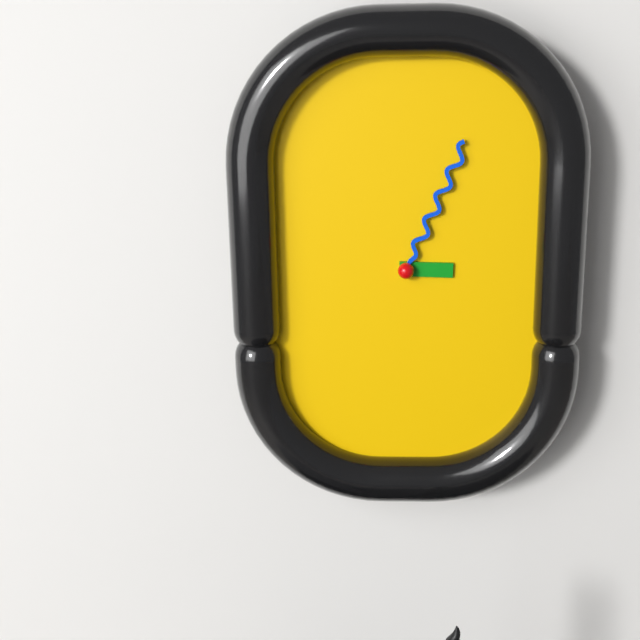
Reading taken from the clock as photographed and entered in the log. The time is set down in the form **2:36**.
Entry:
**3:04**
